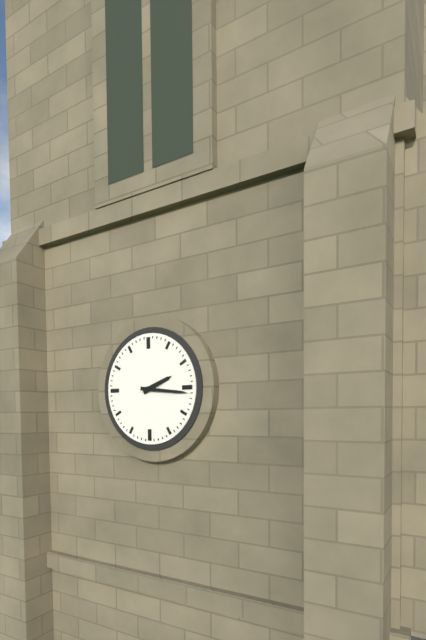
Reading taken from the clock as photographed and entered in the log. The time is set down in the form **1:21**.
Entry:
**2:16**
